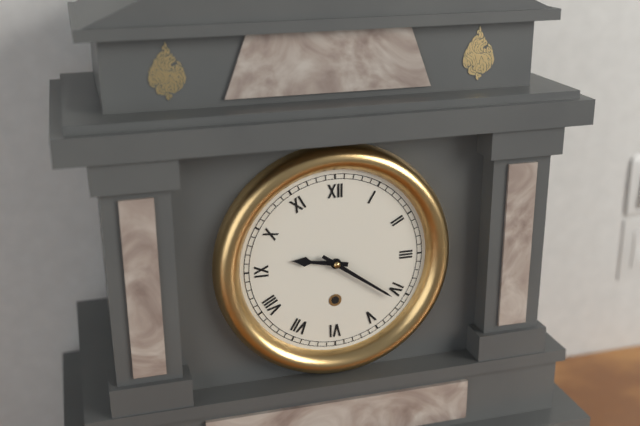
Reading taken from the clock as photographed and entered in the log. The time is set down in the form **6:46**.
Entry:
**9:21**
